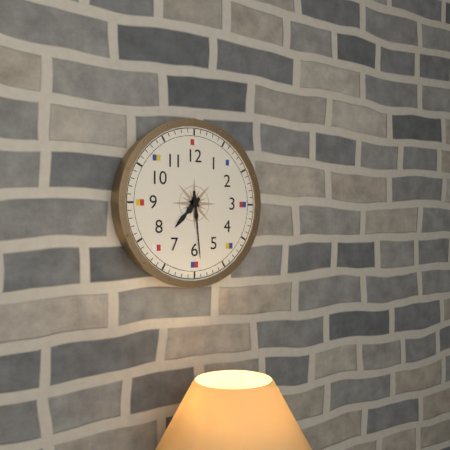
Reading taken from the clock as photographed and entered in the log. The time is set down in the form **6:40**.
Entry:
**7:29**
